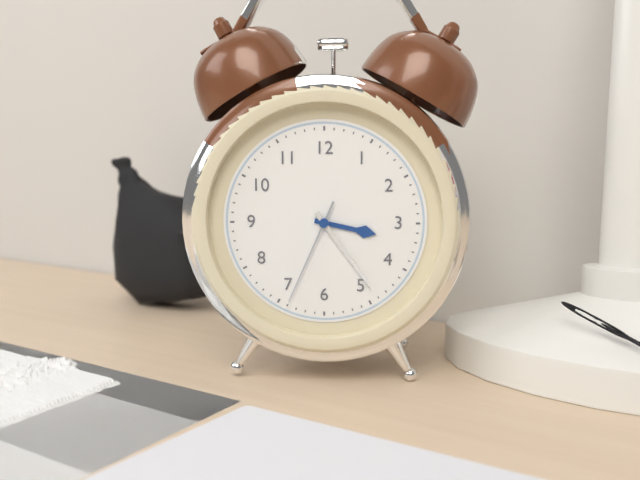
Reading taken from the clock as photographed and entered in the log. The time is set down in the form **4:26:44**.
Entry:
**3:24:34**
